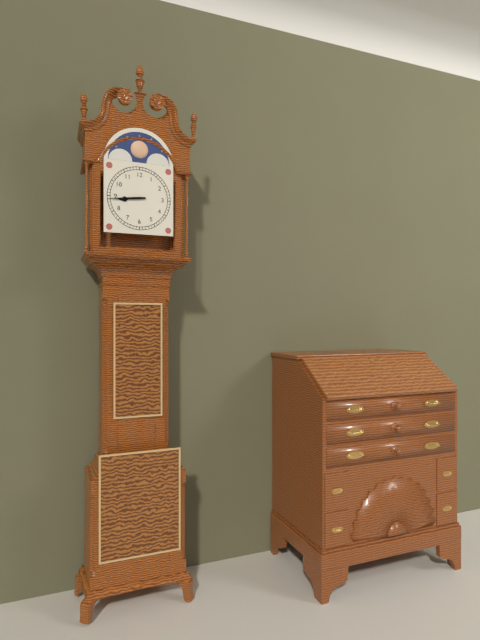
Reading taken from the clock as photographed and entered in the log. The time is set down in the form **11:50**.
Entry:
**8:44**
